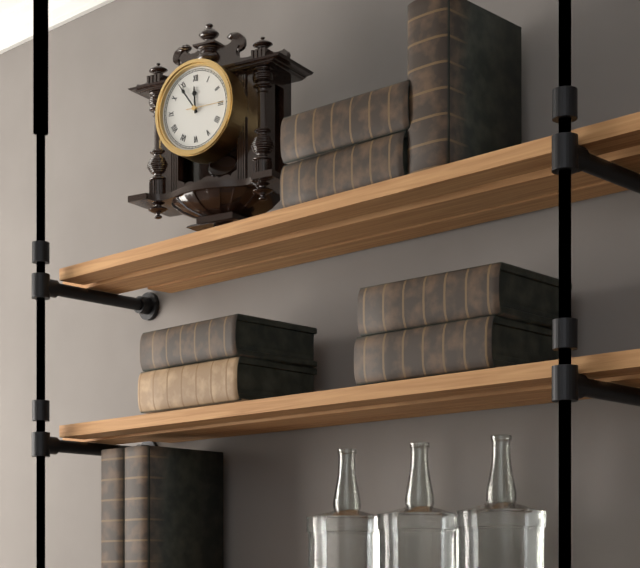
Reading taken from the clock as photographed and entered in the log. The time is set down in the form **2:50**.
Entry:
**11:54**
